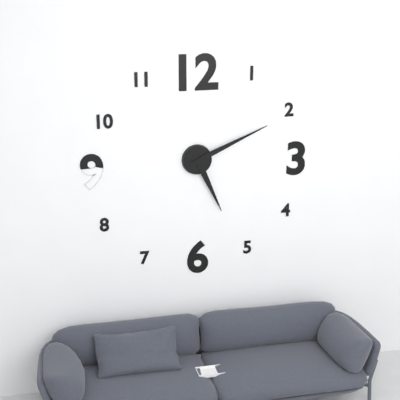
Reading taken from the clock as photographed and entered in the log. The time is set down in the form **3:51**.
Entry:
**5:11**
